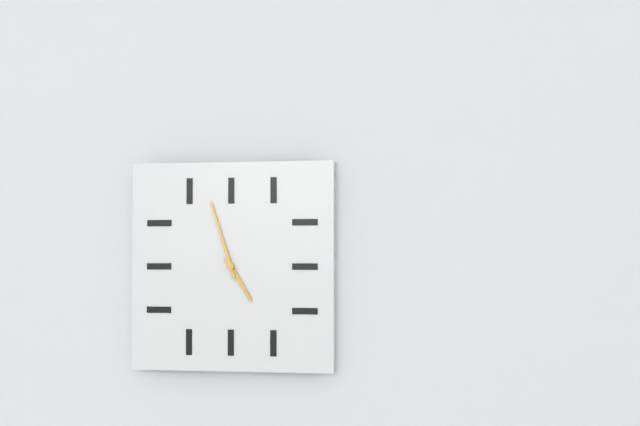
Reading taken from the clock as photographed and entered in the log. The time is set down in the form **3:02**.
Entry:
**4:57**
